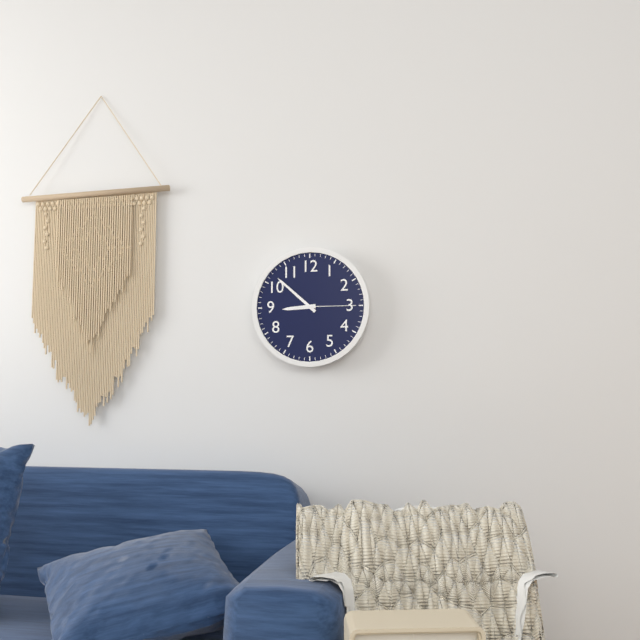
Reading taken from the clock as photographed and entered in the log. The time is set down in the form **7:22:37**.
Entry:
**8:52:15**
